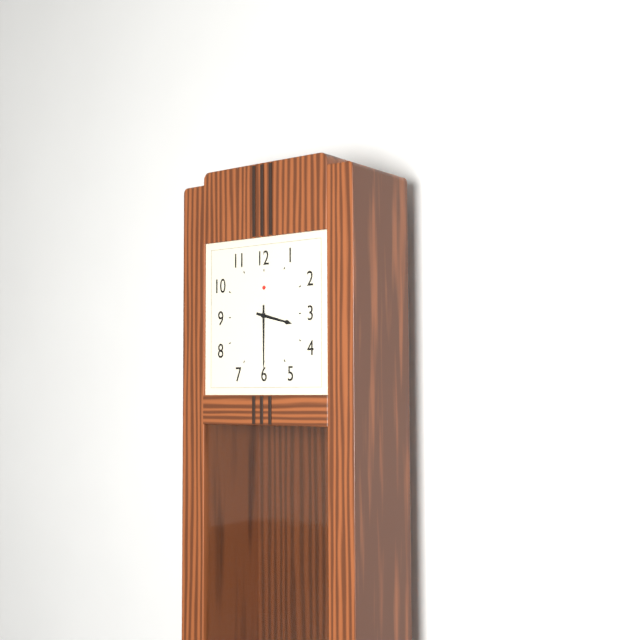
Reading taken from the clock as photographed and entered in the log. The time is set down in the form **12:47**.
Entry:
**3:30**
